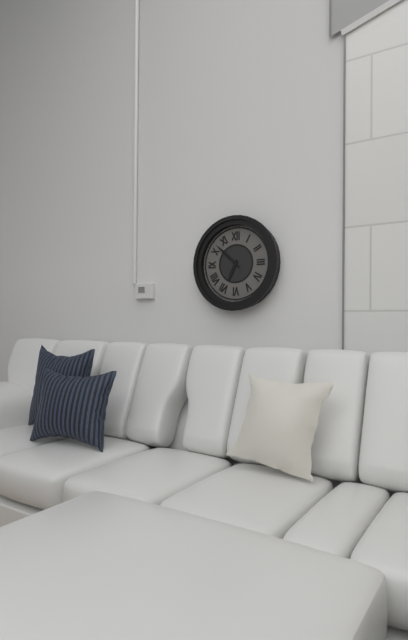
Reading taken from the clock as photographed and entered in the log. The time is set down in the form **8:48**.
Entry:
**6:52**
